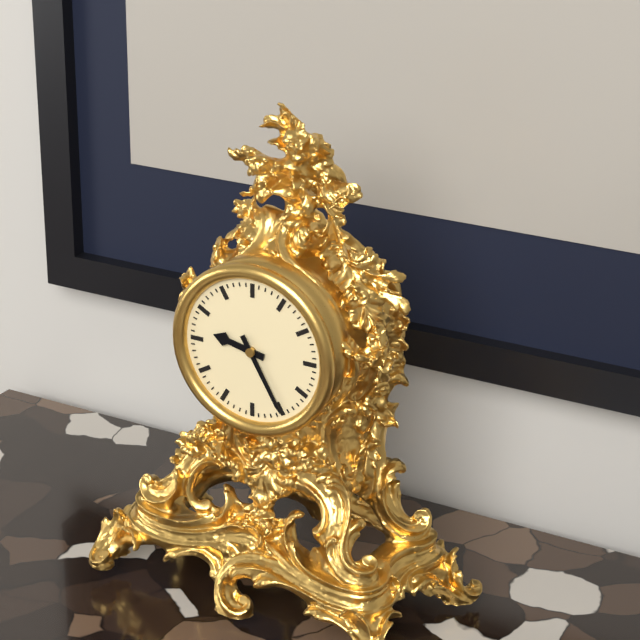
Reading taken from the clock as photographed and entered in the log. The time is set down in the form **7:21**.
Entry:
**9:25**
